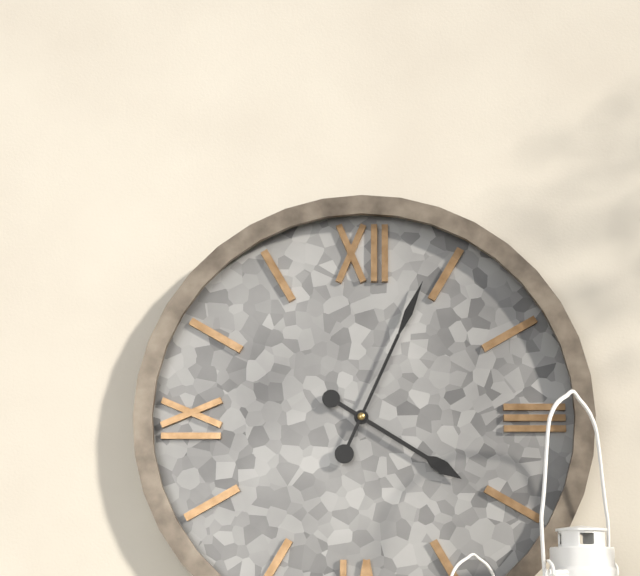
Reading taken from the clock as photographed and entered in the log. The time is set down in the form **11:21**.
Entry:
**4:04**
